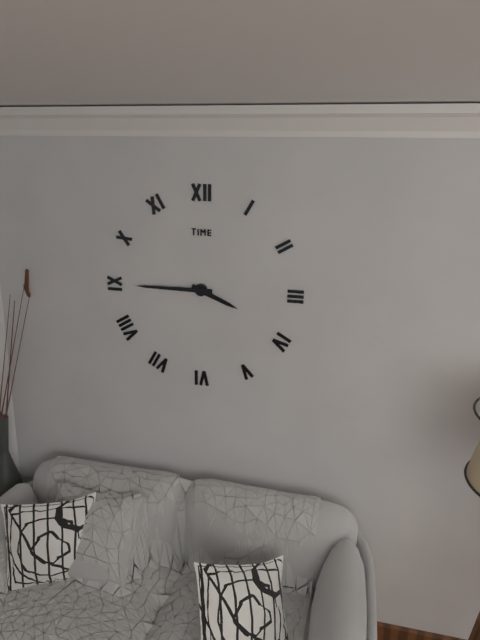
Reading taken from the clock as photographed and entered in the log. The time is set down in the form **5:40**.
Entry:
**3:45**
